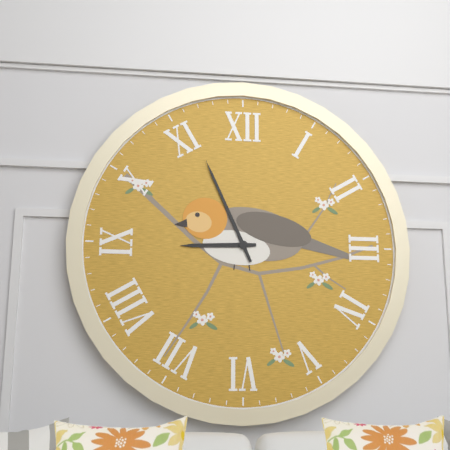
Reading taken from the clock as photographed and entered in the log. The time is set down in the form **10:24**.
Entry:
**8:56**
